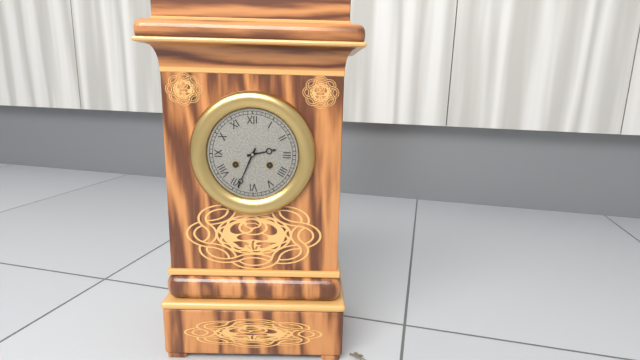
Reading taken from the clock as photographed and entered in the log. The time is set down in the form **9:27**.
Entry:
**2:34**
